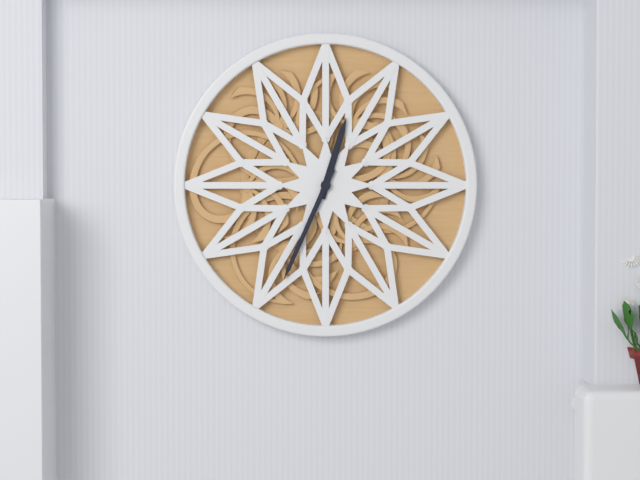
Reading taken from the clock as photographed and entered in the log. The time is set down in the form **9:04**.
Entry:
**12:34**
